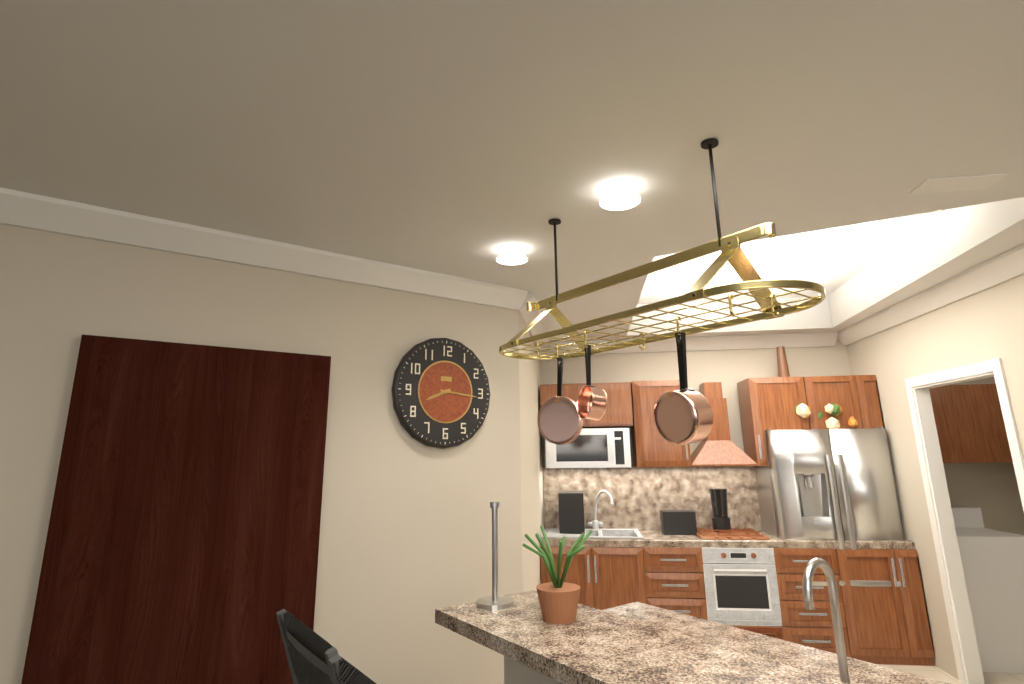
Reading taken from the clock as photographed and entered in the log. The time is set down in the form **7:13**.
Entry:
**8:16**
